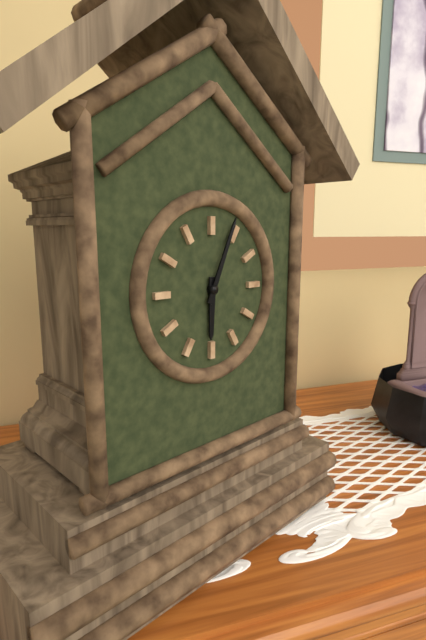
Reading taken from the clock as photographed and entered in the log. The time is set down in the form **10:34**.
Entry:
**6:04**
